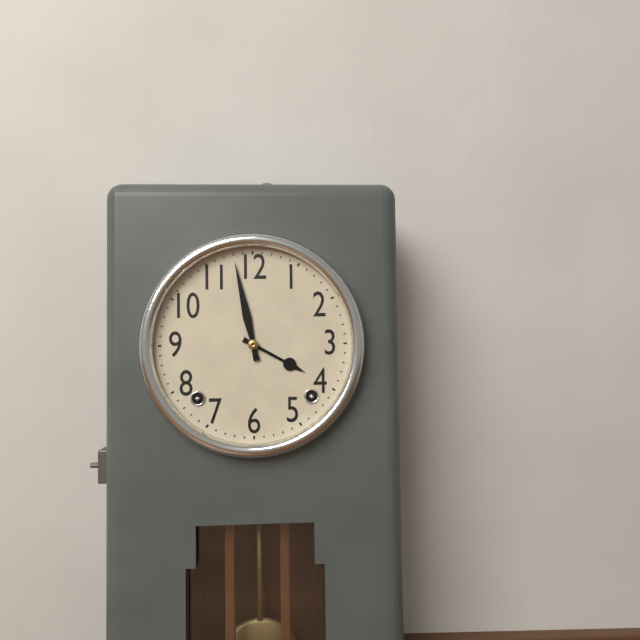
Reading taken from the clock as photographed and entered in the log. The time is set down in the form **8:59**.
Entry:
**3:58**
